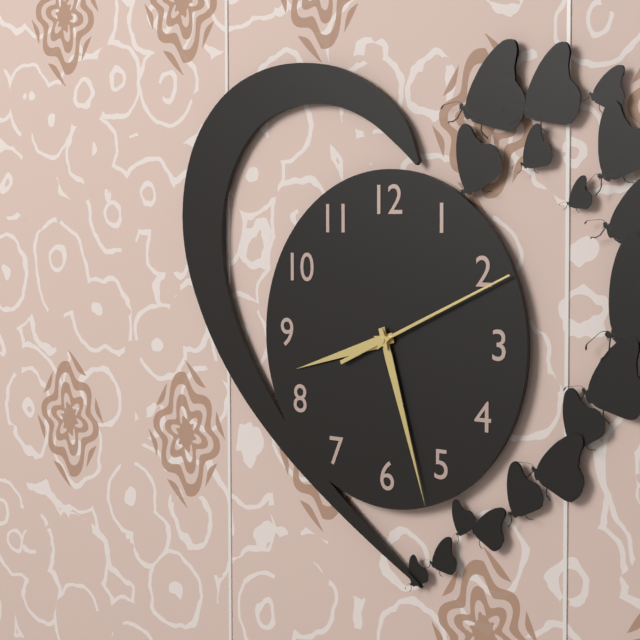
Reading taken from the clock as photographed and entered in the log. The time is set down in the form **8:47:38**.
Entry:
**8:27:11**
